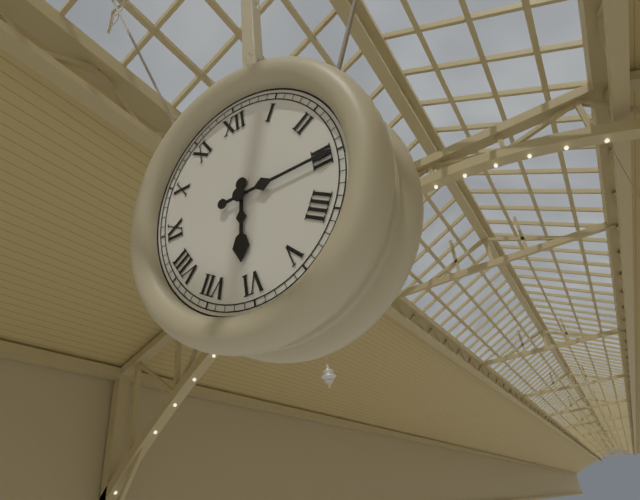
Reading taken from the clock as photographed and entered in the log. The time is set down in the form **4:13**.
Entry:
**6:15**
